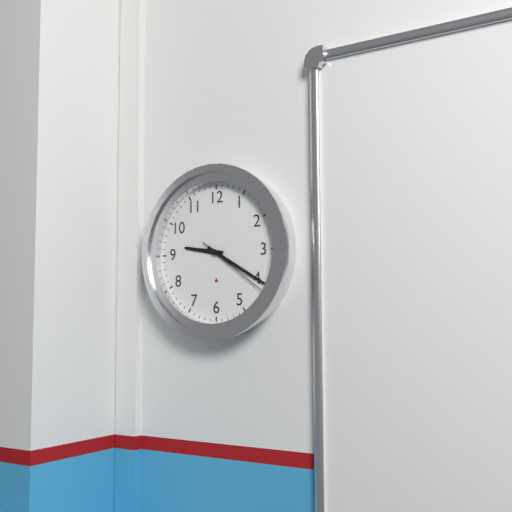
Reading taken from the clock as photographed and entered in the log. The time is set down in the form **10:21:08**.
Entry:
**9:20:21**
